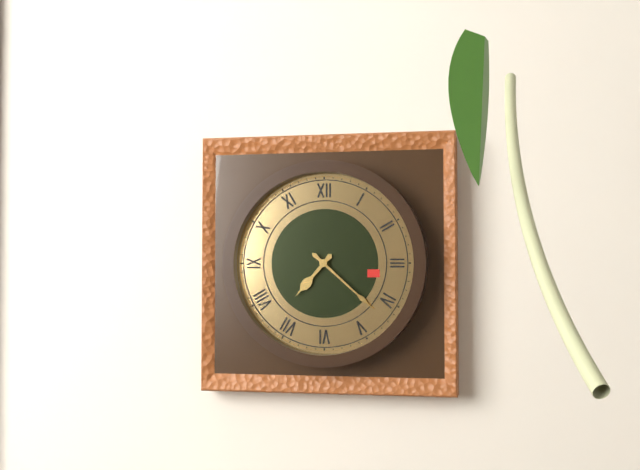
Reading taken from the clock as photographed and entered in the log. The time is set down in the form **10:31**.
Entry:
**7:22**
